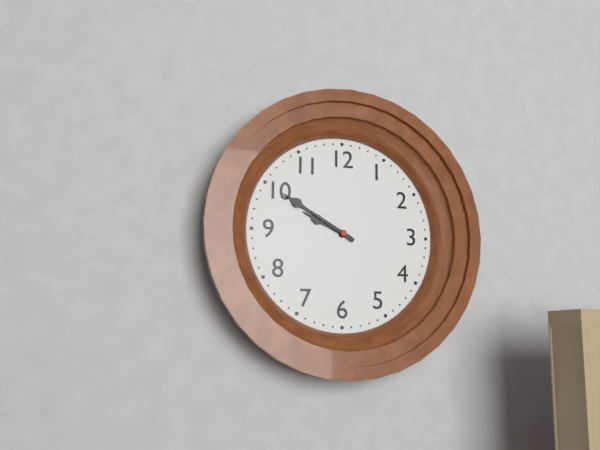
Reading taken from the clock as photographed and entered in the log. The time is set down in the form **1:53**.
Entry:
**9:50**
